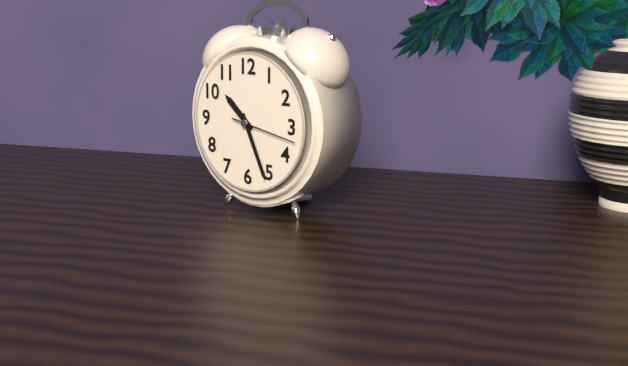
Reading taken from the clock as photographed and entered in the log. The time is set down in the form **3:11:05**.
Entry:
**10:26:17**
